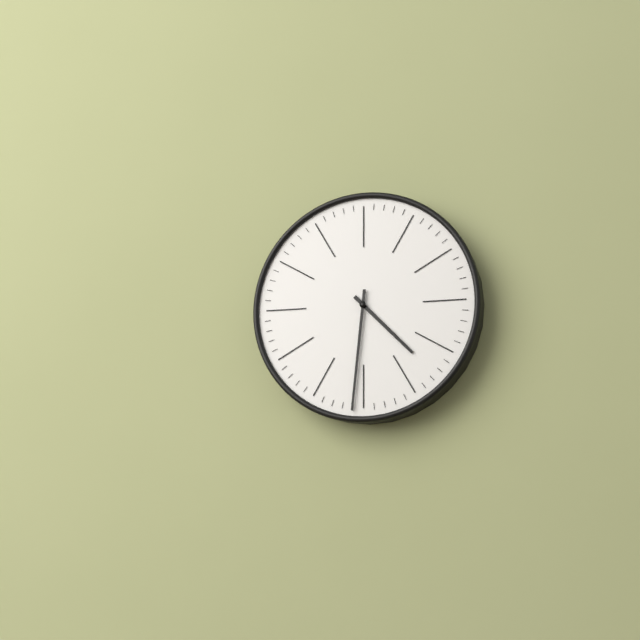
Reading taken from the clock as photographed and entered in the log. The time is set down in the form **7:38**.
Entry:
**4:31**
